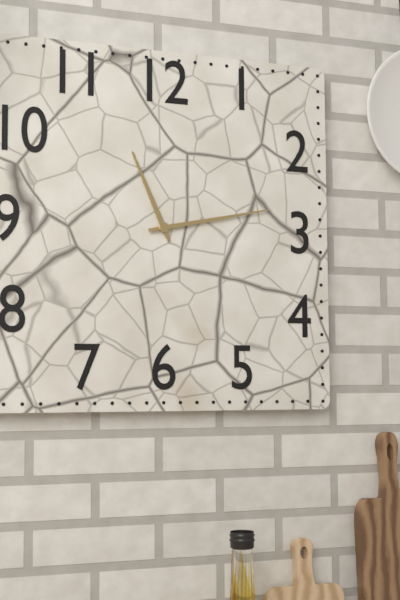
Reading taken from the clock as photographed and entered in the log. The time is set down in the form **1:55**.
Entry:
**11:13**
